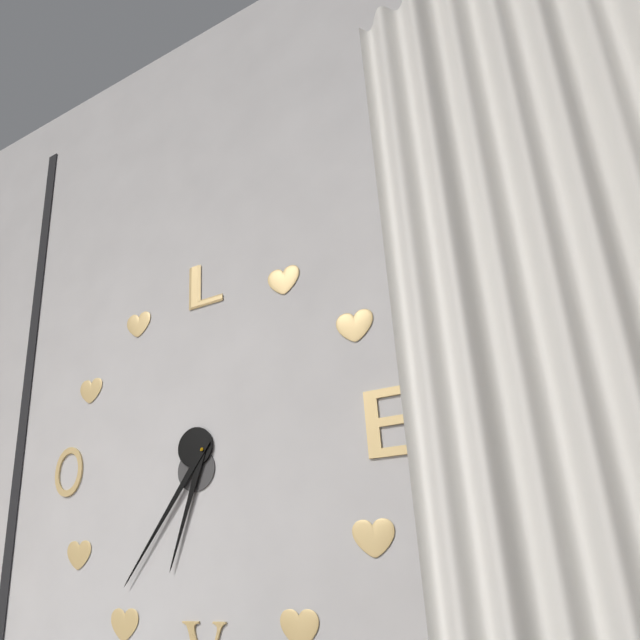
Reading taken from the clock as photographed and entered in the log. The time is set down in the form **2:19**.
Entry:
**6:36**
